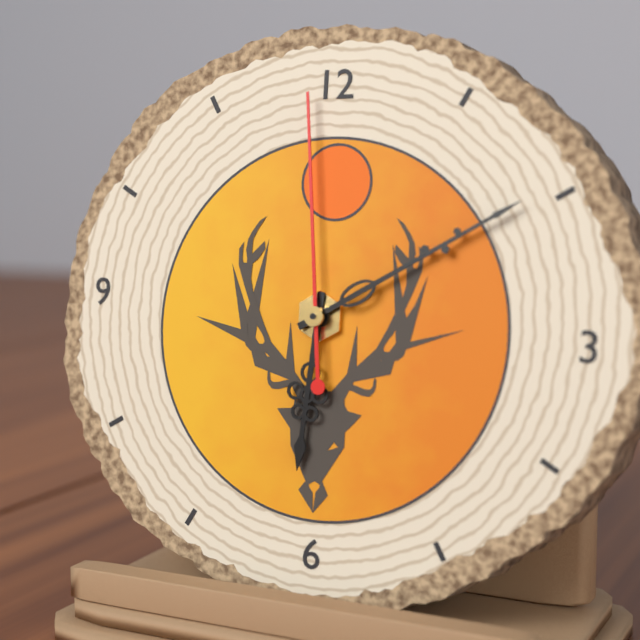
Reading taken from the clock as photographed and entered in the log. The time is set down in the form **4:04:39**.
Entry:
**6:10:59**
